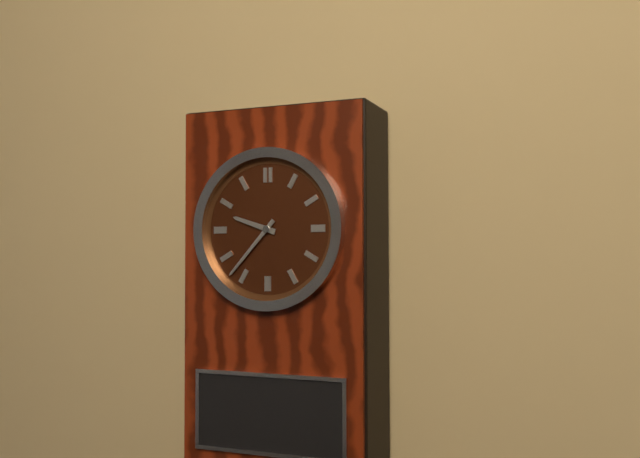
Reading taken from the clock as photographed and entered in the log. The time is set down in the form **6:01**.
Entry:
**9:37**
